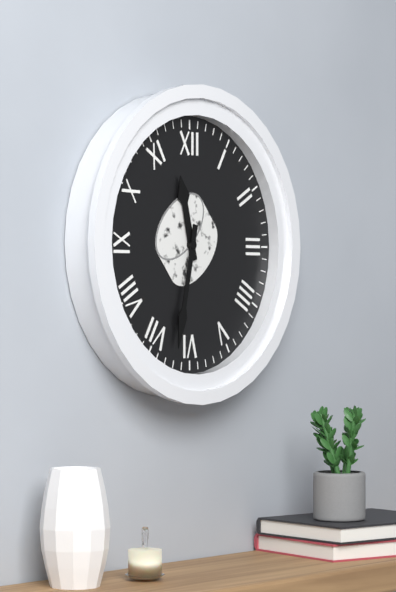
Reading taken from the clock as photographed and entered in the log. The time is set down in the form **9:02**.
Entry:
**11:32**
